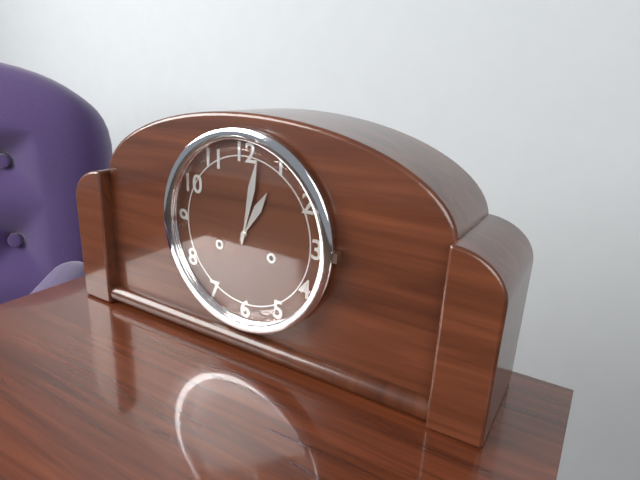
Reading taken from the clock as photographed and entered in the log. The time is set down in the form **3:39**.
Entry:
**1:02**
